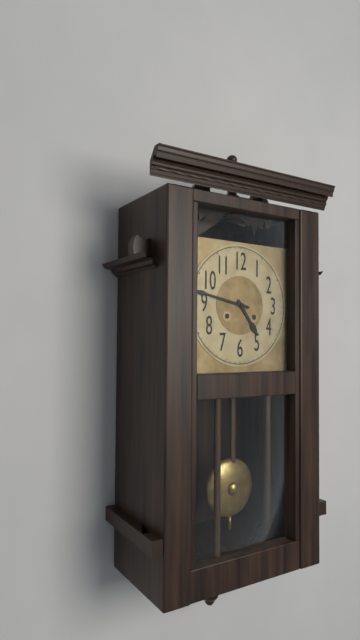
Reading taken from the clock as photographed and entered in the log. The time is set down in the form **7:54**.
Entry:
**4:47**
